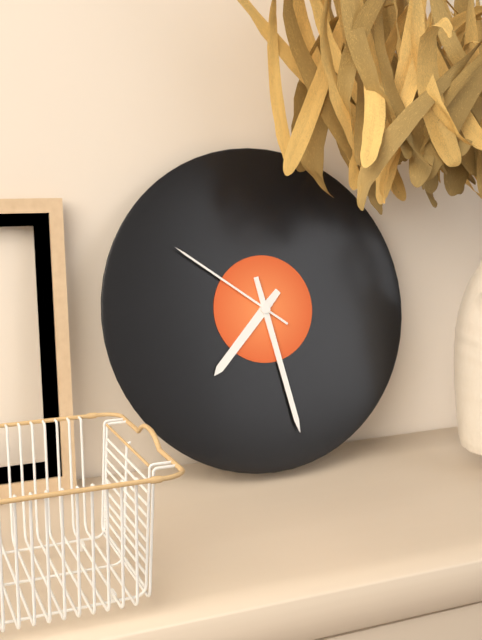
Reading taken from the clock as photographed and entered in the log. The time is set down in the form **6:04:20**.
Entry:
**7:28:51**
